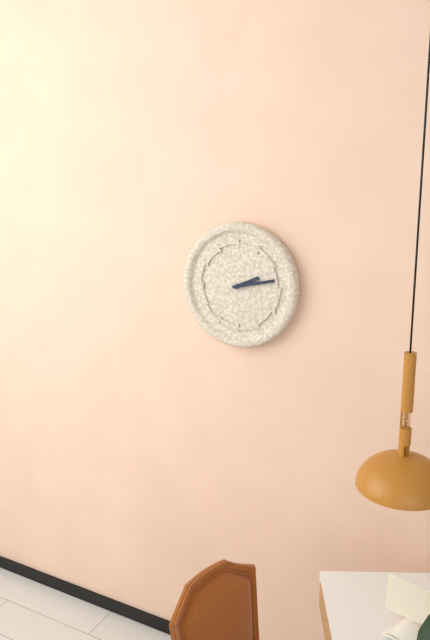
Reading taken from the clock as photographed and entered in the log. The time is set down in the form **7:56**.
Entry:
**2:13**
